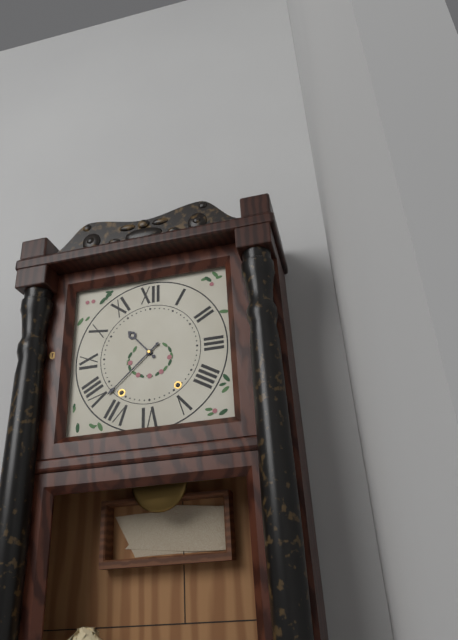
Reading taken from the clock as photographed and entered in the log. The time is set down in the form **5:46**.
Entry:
**10:38**
